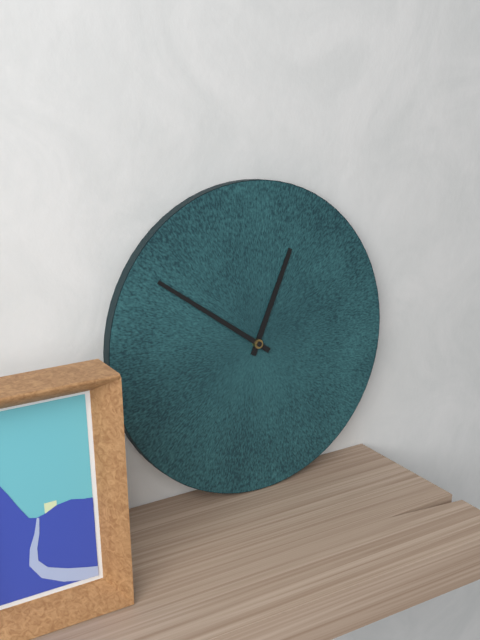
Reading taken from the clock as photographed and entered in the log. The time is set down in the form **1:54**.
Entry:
**12:51**
